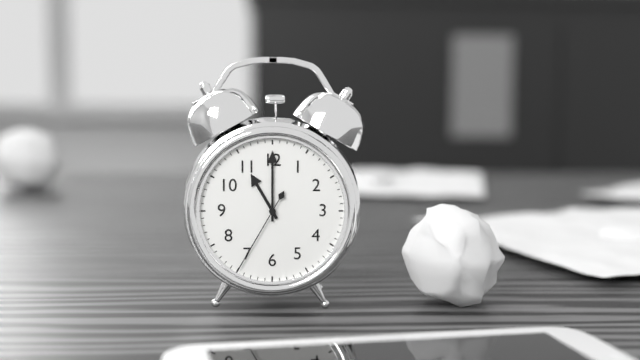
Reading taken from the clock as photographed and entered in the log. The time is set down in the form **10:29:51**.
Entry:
**11:00:35**
